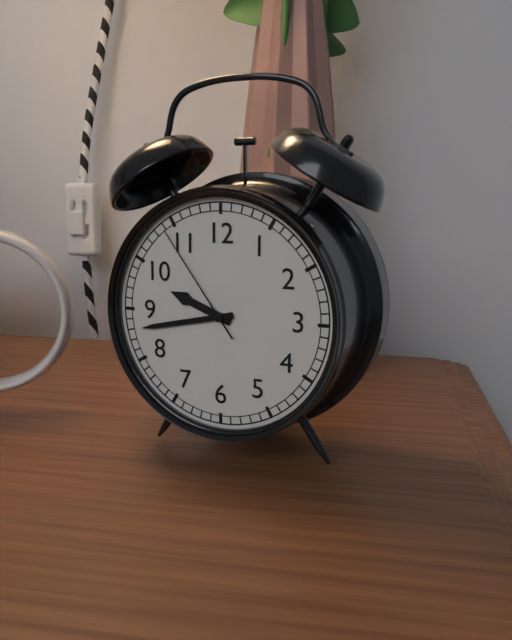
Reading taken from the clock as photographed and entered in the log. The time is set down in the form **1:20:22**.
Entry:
**9:43:54**
